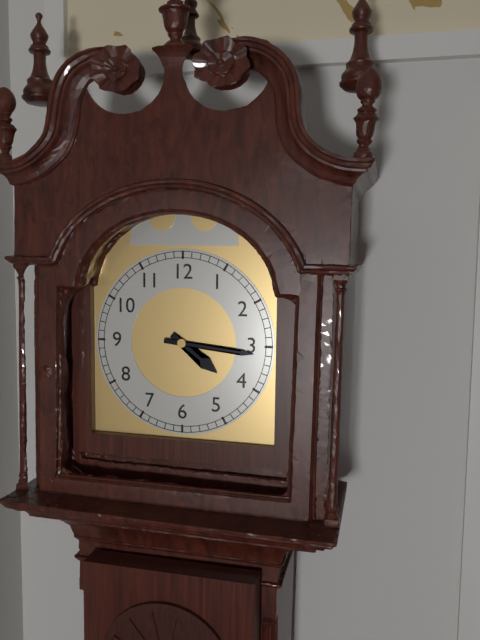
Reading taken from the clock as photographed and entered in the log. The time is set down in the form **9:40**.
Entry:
**4:16**
